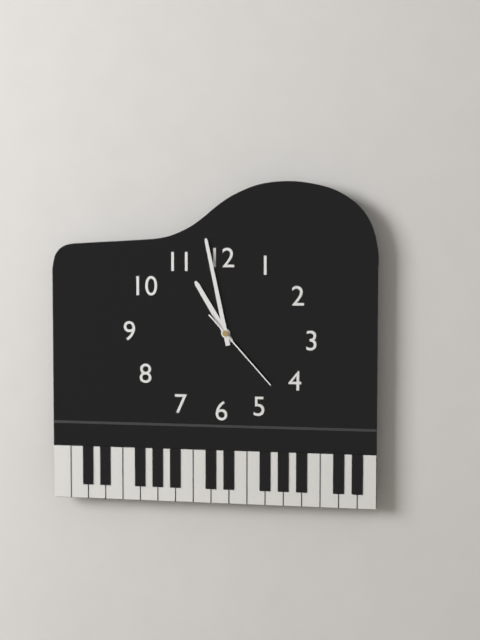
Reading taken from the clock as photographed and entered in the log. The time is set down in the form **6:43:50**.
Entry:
**10:58:23**
